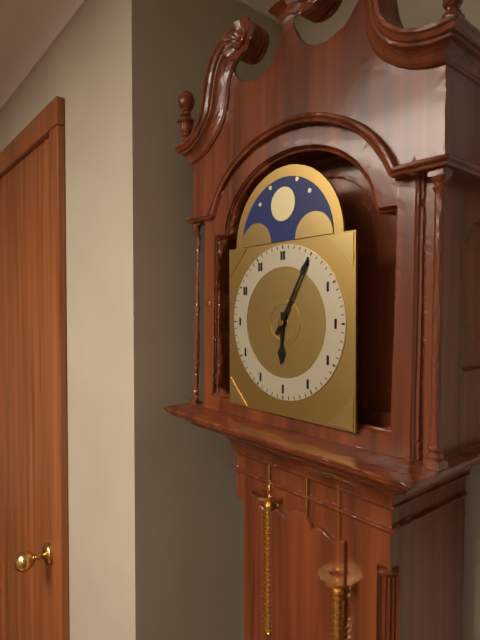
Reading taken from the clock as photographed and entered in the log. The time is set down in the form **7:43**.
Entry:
**6:05**
